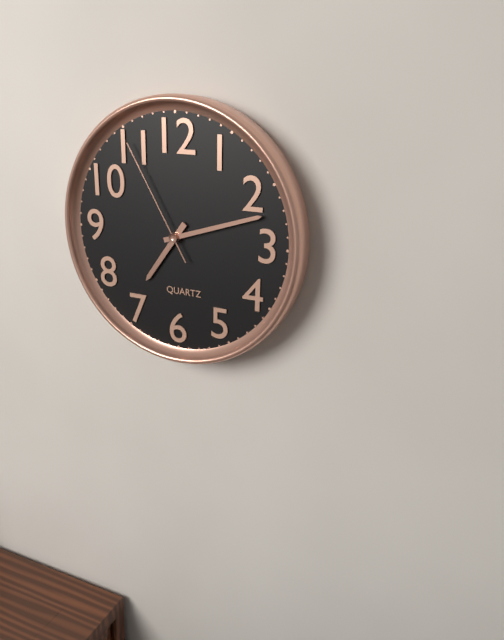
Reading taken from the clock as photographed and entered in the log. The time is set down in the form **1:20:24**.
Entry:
**7:12:55**
